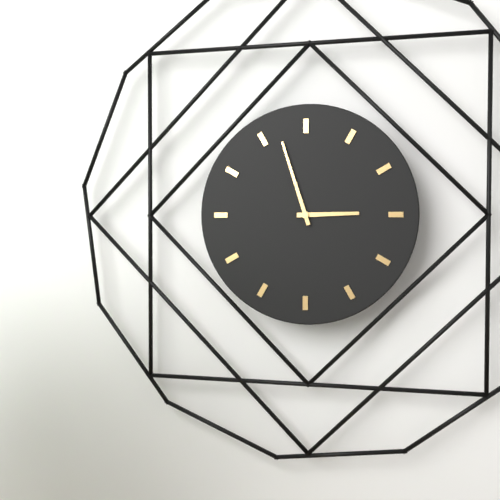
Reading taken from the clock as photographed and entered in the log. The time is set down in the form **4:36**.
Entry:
**2:57**
